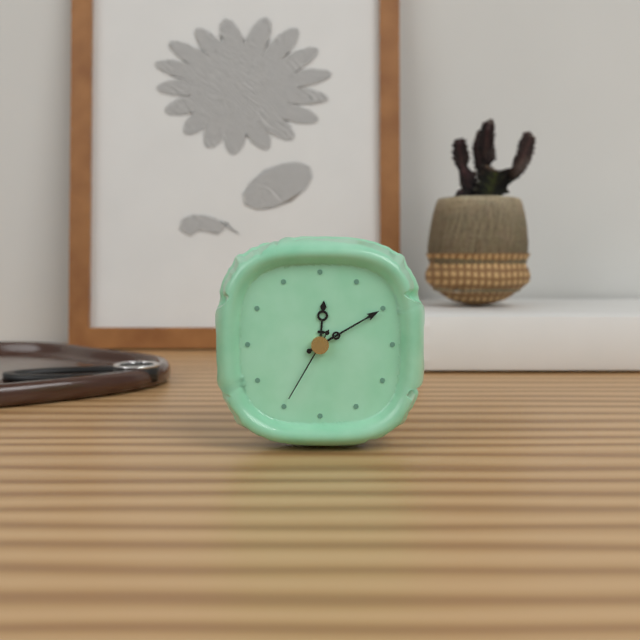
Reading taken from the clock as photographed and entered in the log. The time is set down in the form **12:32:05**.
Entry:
**12:10:35**
